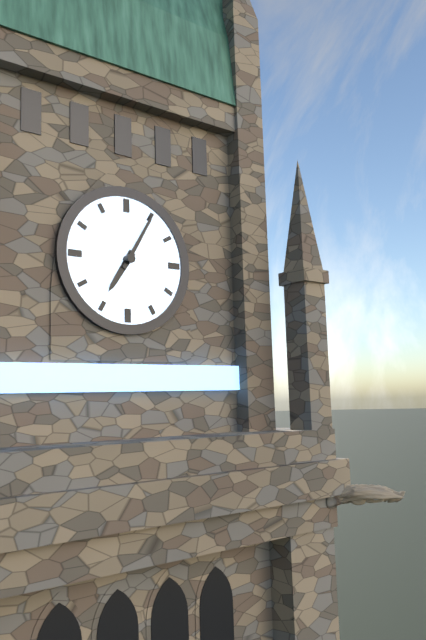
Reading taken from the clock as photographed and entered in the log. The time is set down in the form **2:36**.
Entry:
**7:05**
